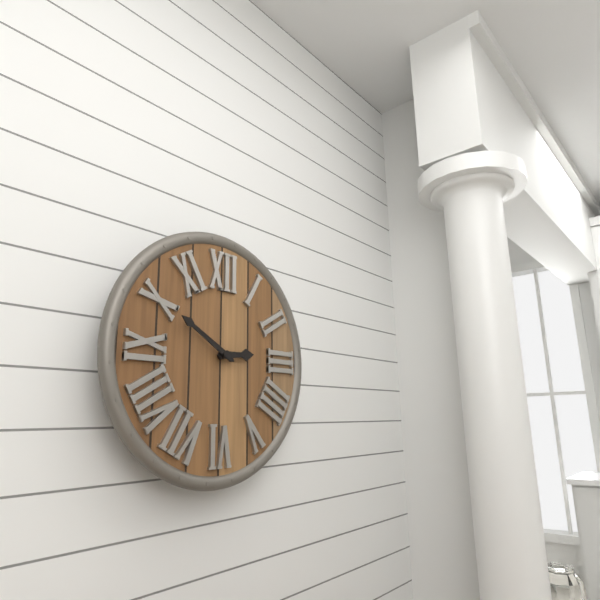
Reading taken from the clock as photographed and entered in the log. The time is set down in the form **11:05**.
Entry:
**2:50**
